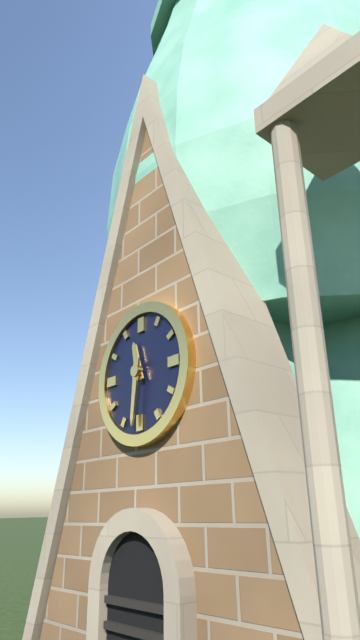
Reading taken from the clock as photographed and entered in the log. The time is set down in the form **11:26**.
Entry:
**11:31**
